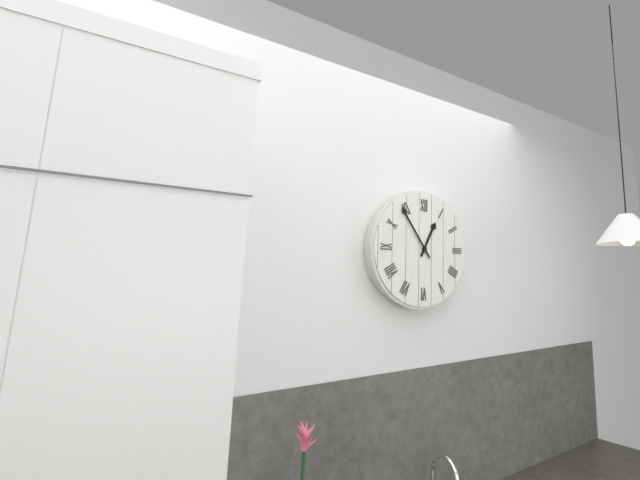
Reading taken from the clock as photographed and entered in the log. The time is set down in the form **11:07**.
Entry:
**12:54**
